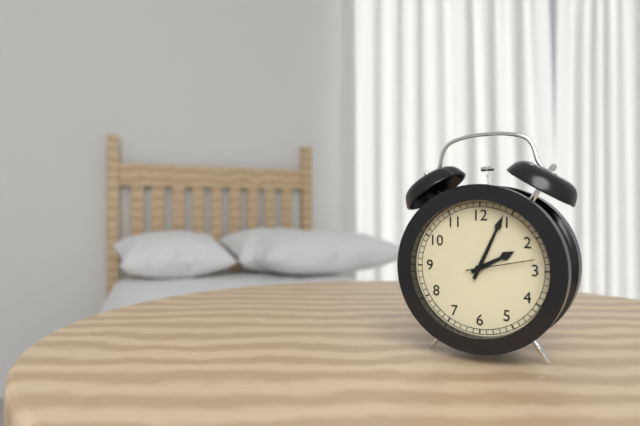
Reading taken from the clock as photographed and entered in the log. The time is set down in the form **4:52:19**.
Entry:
**2:04:13**
